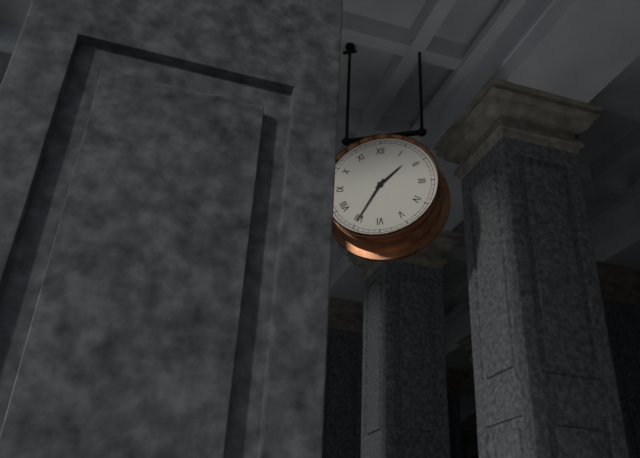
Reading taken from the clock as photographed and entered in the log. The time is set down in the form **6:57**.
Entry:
**1:35**
